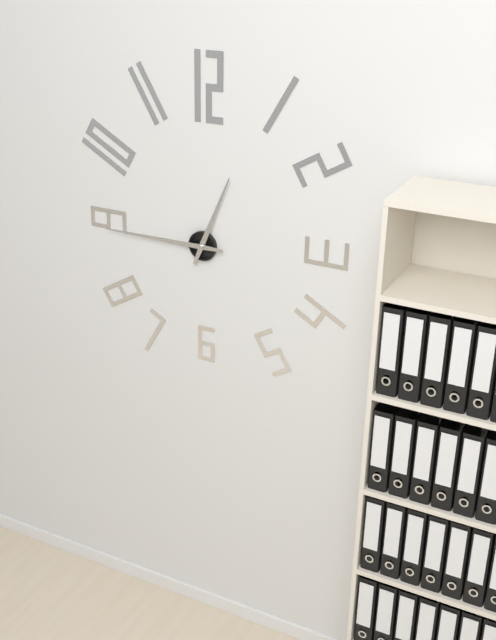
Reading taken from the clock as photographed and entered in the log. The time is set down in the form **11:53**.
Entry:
**12:45**
